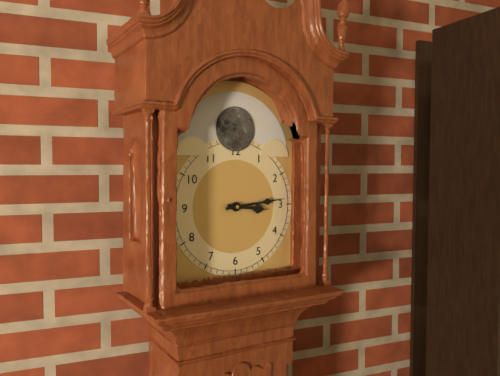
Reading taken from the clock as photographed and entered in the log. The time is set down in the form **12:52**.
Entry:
**3:14**
